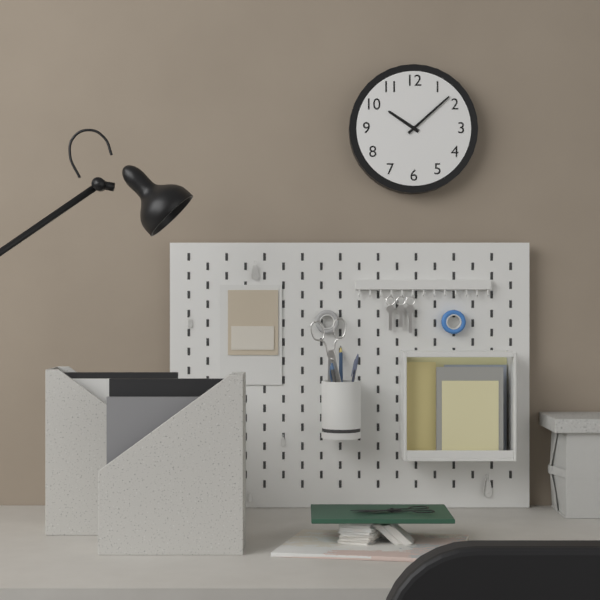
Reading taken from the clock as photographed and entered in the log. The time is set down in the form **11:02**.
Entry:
**10:08**
